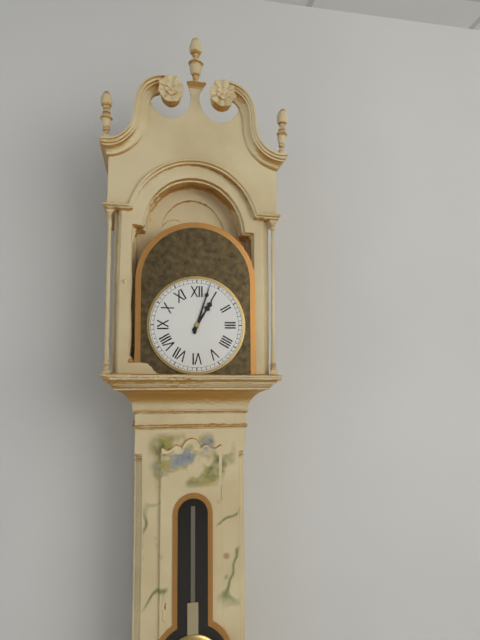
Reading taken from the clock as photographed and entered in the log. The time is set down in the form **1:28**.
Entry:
**1:03**
